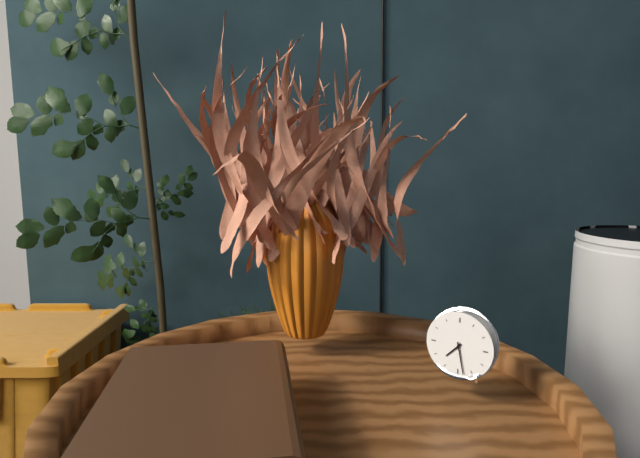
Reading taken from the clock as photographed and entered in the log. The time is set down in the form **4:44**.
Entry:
**7:28**
